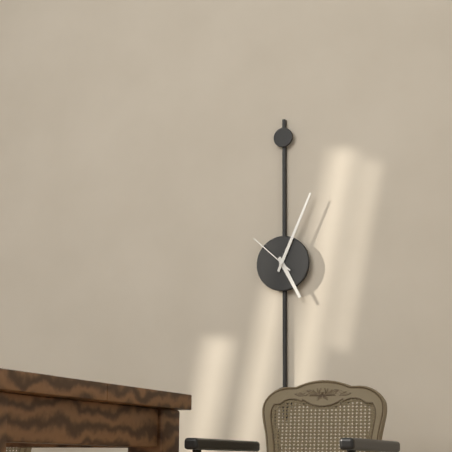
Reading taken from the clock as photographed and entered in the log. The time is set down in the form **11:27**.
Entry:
**5:04**
